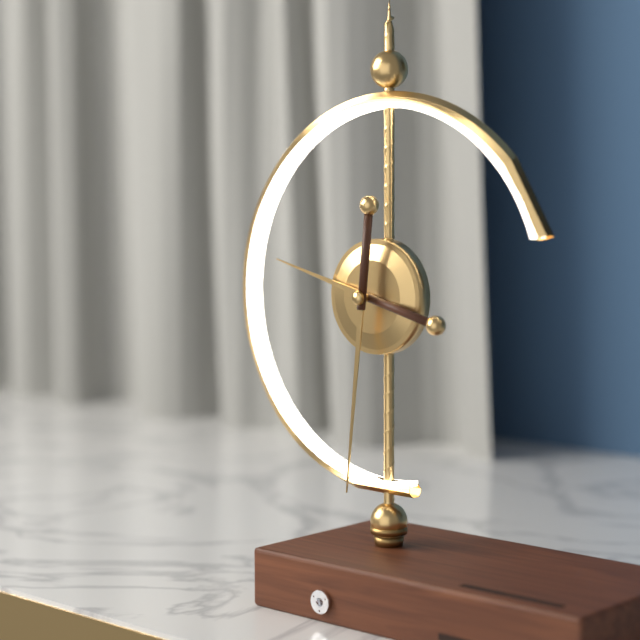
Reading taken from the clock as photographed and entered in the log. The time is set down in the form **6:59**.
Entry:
**9:31**
